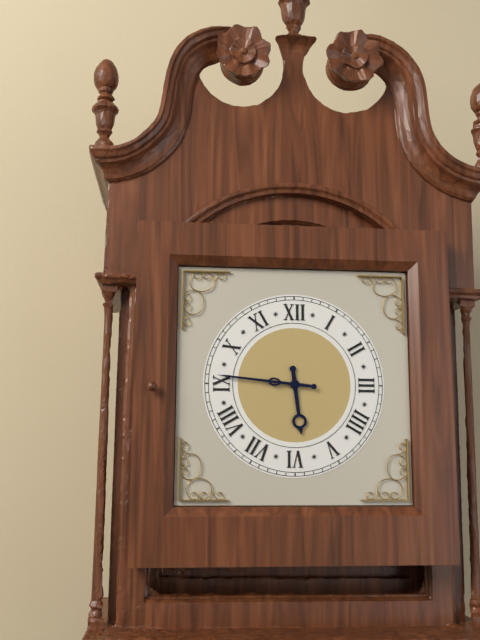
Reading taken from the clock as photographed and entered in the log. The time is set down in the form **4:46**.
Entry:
**5:46**
